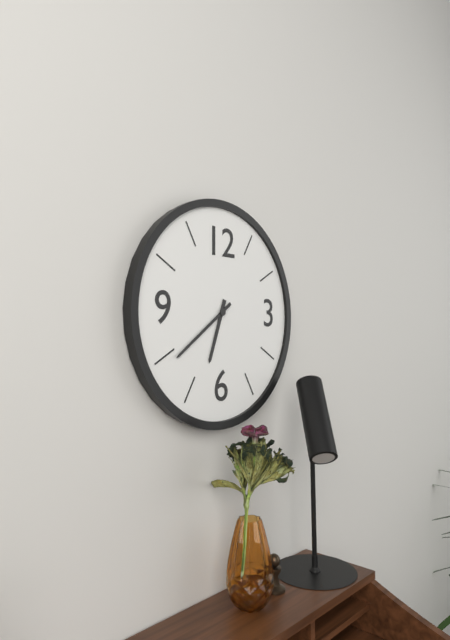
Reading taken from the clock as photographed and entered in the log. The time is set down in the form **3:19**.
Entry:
**6:39**
